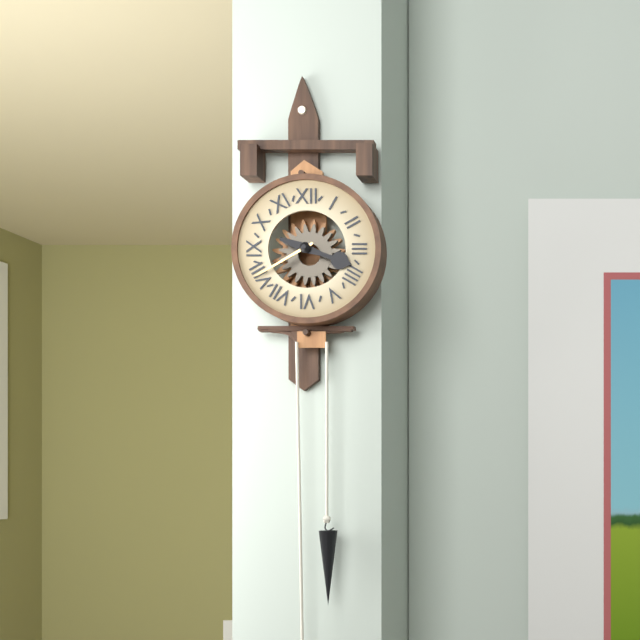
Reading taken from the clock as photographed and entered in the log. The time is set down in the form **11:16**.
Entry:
**3:40**
